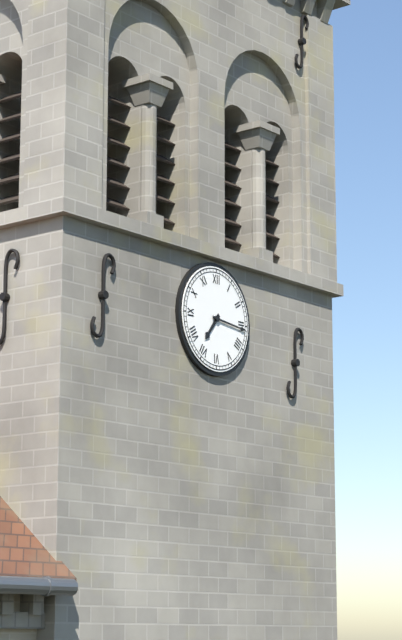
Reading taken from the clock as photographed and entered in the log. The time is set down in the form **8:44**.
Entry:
**7:16**
